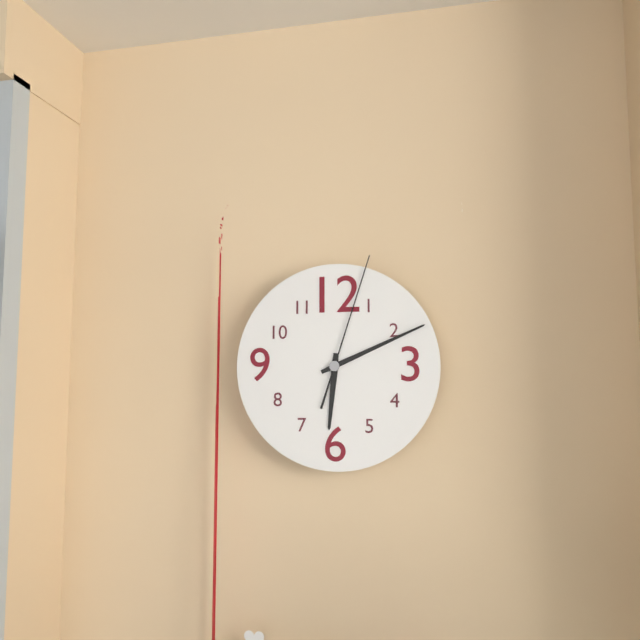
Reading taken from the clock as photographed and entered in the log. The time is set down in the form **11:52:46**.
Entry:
**6:11:03**
